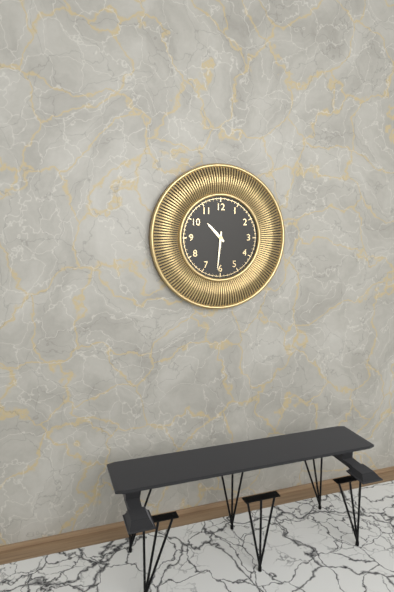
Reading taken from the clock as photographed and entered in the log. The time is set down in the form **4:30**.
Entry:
**10:31**
